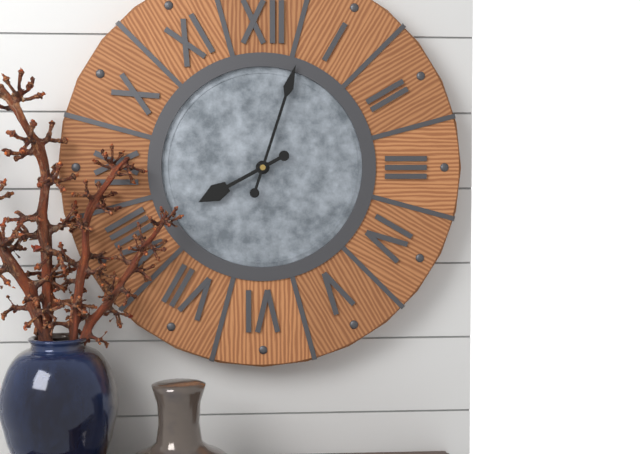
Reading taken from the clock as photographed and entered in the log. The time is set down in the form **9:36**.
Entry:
**8:03**
